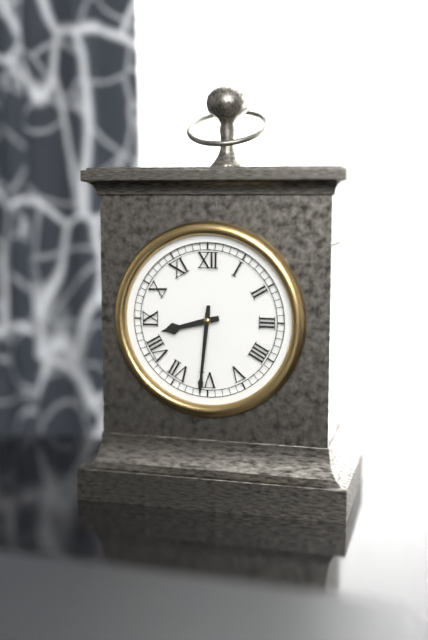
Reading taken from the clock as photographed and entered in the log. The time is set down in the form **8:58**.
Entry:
**8:31**
